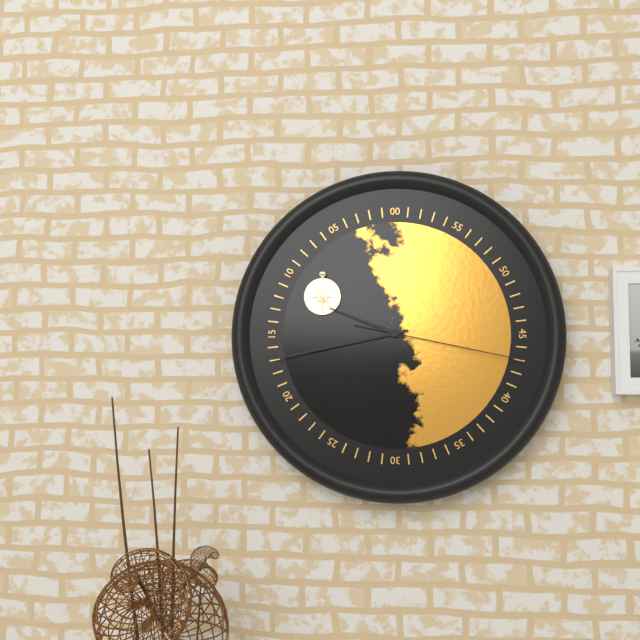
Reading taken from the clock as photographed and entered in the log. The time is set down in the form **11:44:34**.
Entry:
**9:43:17**
